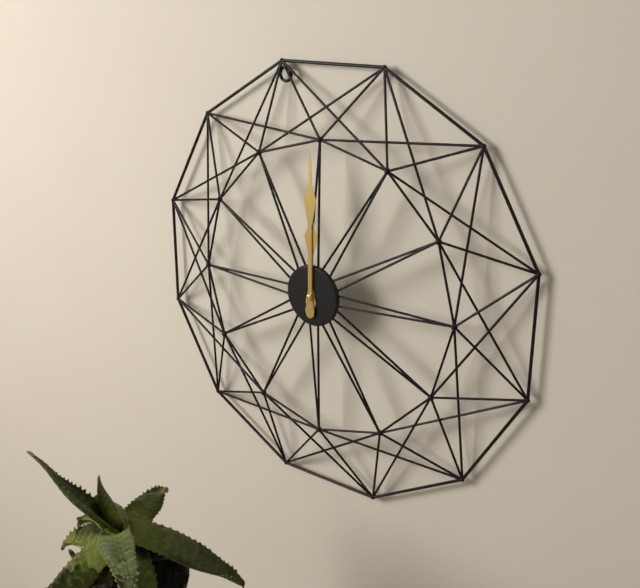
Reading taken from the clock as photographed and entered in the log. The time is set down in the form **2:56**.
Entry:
**12:00**
